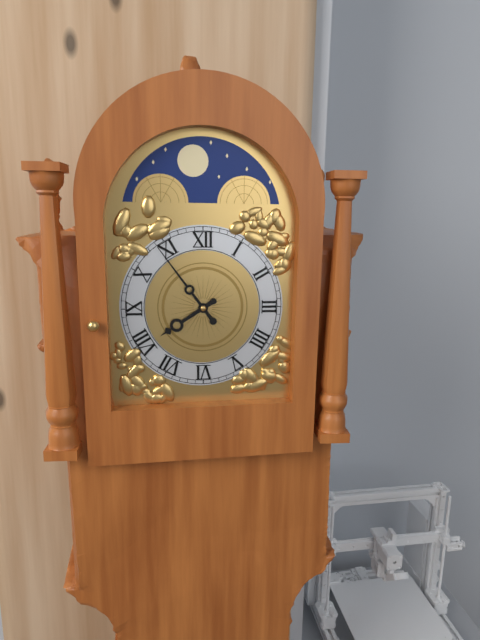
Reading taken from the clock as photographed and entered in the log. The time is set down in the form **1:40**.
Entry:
**7:54**
